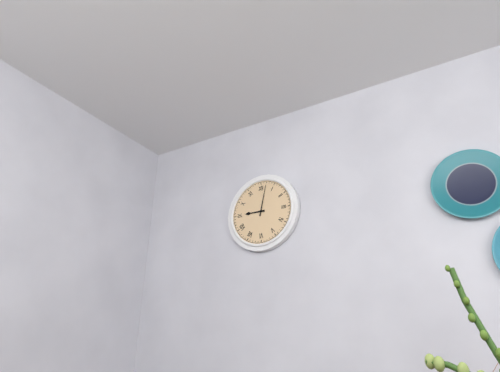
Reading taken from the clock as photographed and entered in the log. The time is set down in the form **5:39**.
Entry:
**9:02**
